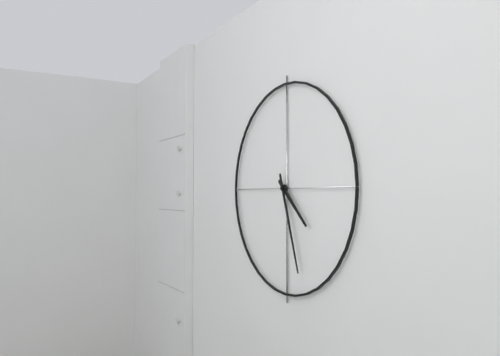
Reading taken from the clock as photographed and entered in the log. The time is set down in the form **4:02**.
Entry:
**4:27**
